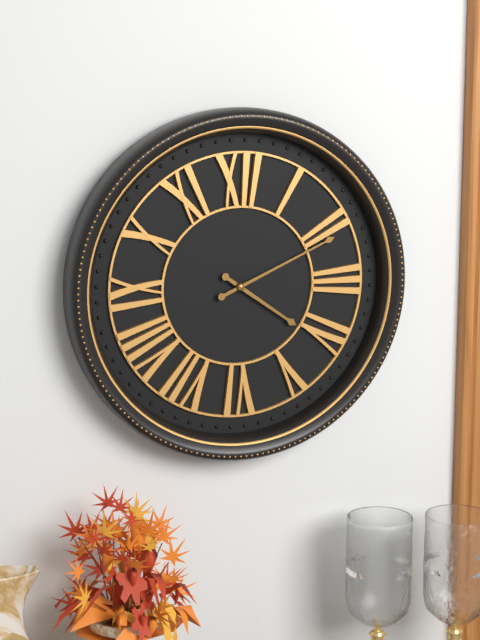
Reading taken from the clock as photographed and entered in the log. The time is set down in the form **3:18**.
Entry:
**4:11**
